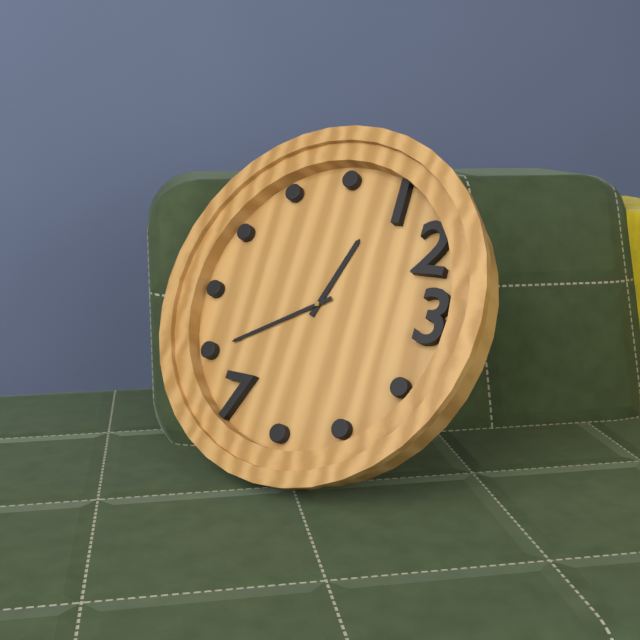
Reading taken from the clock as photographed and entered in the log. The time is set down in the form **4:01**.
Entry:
**12:40**
